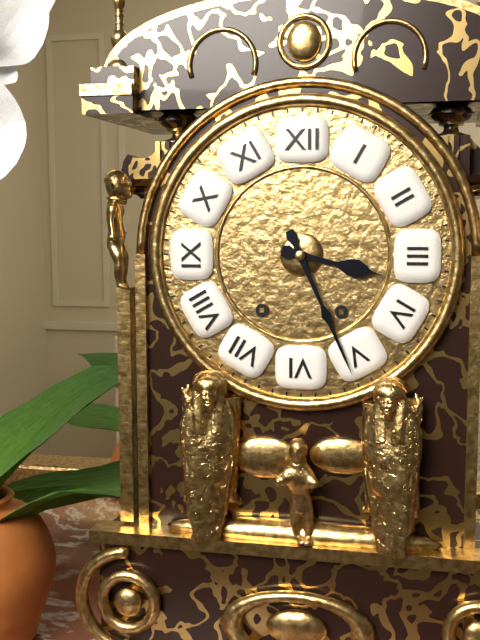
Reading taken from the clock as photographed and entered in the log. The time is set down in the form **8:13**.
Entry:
**3:26**
